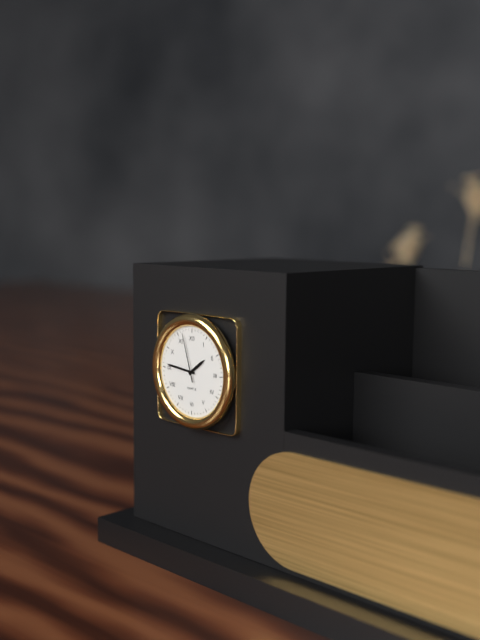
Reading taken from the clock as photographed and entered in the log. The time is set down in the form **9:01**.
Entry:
**1:46**
